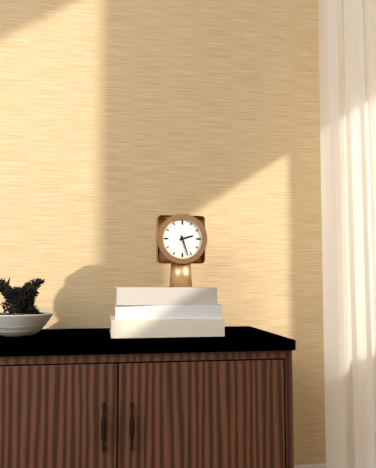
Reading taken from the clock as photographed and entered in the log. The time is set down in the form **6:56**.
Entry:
**2:27**
